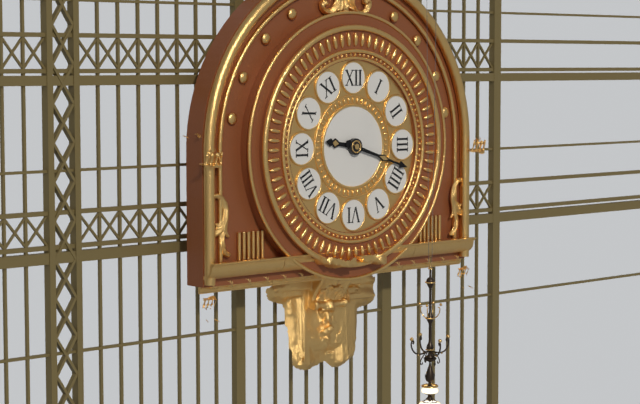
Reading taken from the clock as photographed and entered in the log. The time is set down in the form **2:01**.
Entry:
**9:18**
